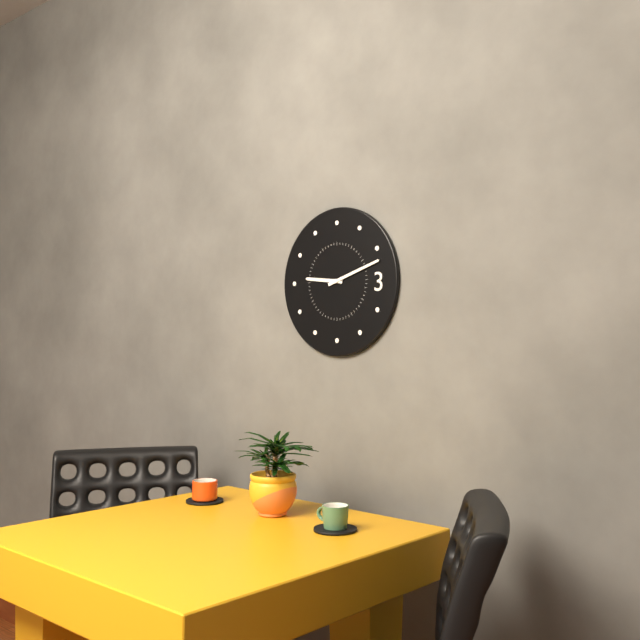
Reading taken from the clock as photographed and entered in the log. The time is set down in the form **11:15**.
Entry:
**9:12**
